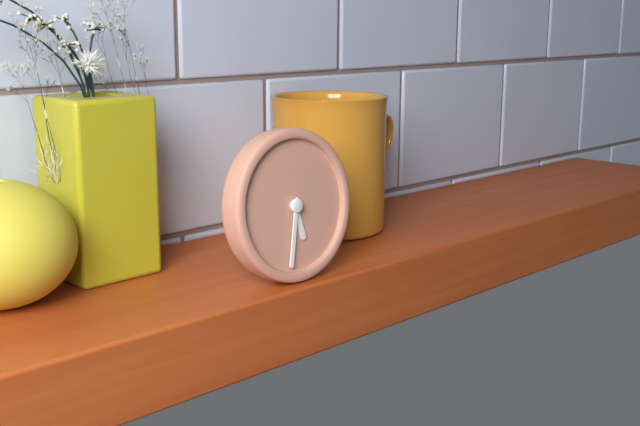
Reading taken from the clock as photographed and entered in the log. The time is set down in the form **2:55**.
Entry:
**5:32**
